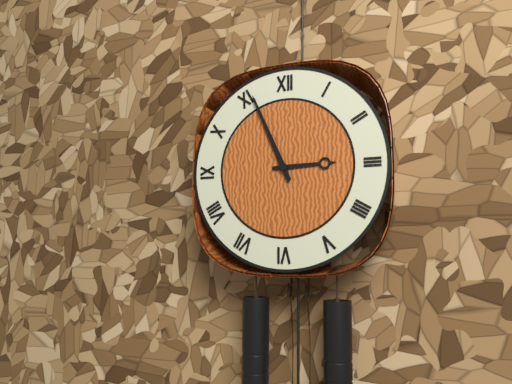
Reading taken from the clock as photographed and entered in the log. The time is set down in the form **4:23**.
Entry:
**2:56**
